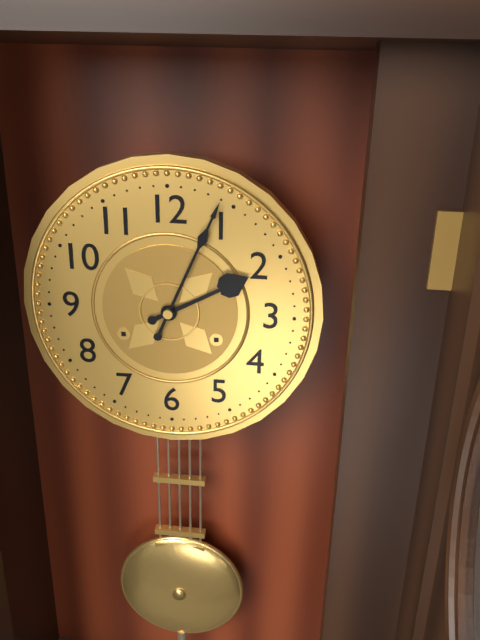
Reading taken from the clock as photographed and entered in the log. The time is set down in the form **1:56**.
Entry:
**2:04**
